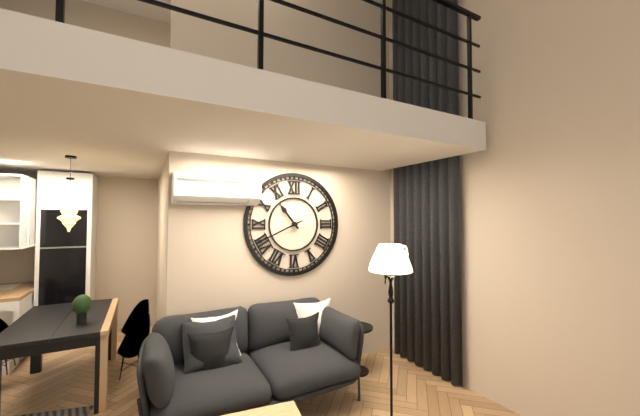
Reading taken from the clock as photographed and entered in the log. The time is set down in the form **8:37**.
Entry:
**10:41**
